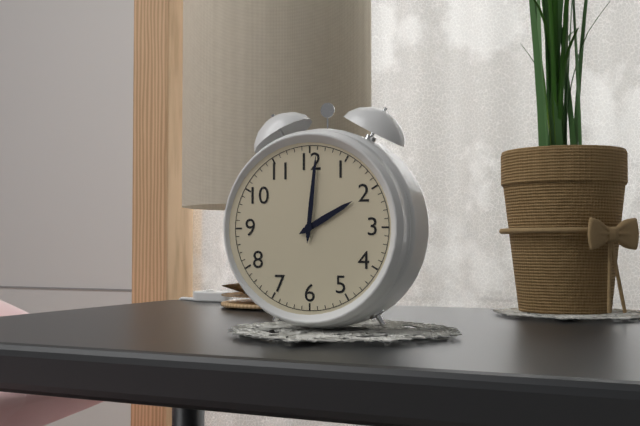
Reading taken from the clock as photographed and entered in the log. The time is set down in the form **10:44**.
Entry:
**2:01**
